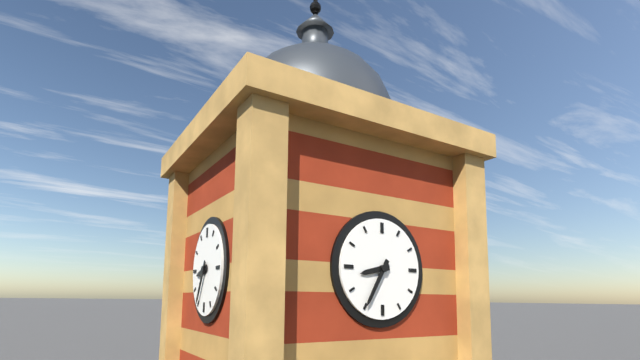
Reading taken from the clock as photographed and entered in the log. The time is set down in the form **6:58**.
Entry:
**8:35**
